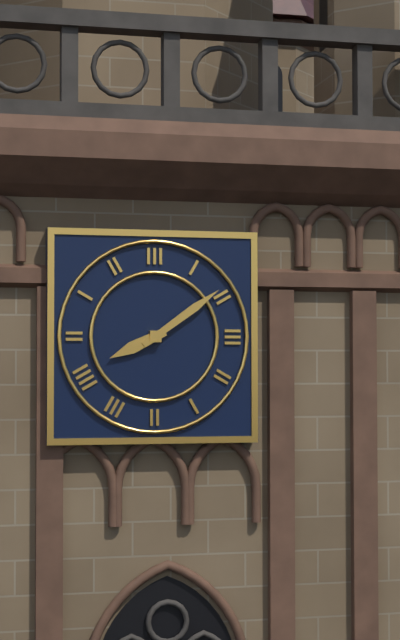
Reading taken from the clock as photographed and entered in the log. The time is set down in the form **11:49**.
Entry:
**8:09**
